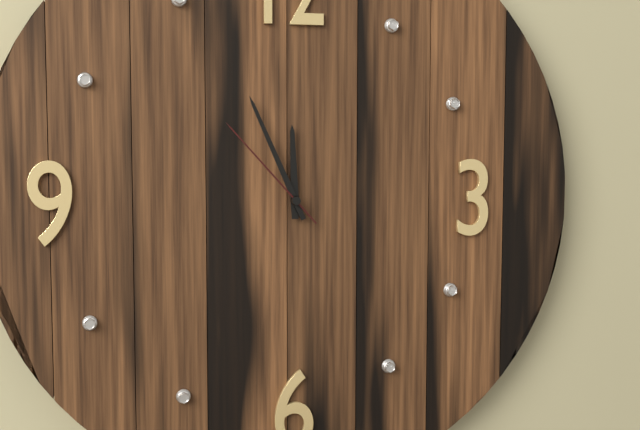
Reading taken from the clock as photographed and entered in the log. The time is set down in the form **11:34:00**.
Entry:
**11:56:53**
